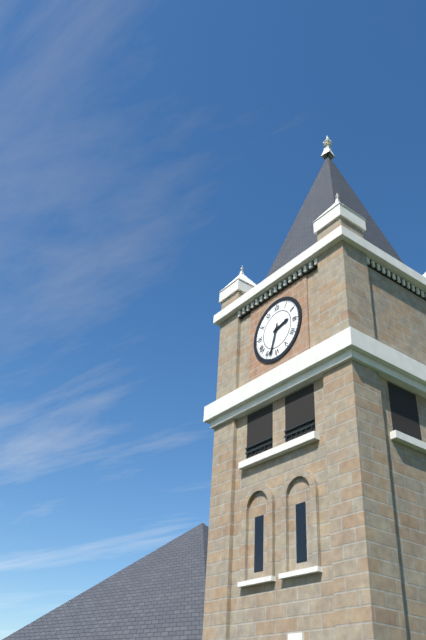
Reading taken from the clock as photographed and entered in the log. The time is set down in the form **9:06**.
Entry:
**2:33**
